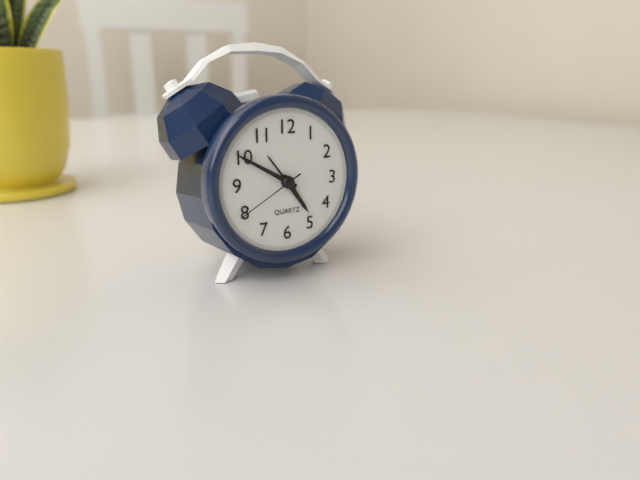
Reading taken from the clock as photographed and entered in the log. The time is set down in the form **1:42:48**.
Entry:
**4:50:40**
